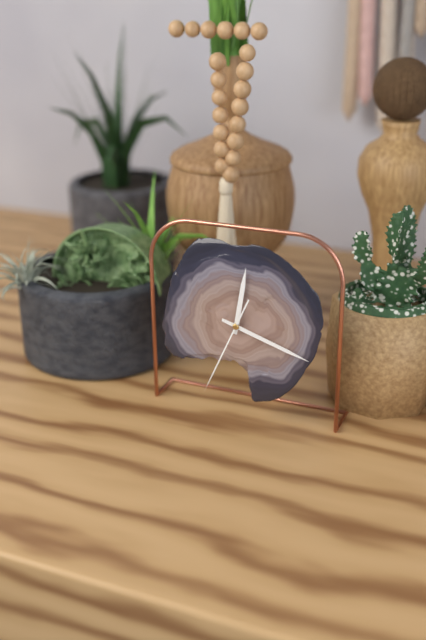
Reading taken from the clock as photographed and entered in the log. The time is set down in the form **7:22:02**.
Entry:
**12:18:34**
